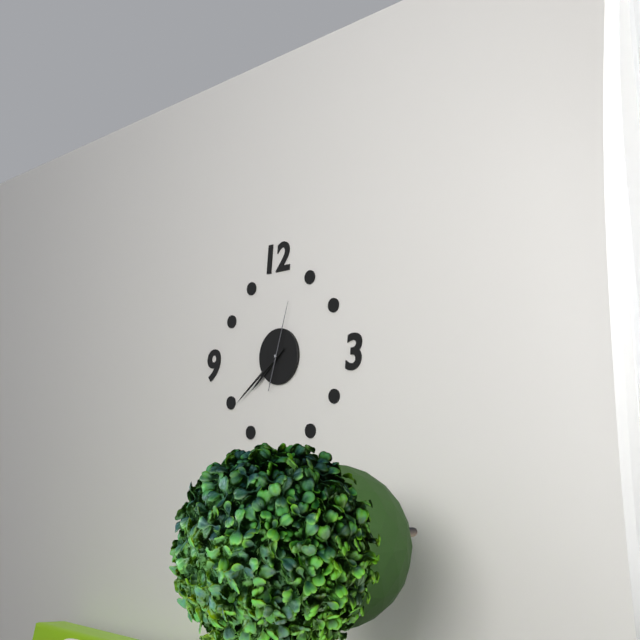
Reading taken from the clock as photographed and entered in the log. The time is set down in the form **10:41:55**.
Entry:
**7:39:03**
